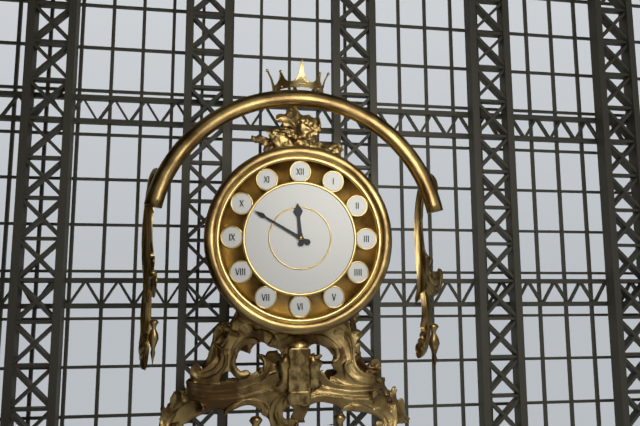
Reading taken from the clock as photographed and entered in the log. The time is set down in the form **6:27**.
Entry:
**11:50**
